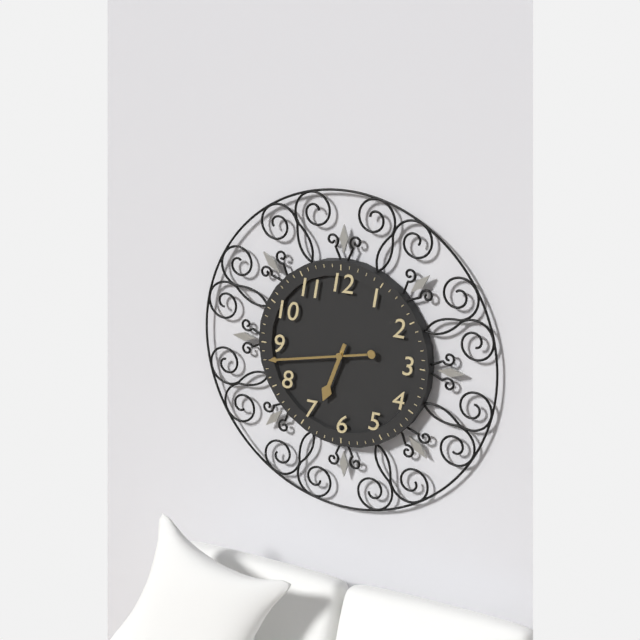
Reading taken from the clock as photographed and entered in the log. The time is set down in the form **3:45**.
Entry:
**6:43**
